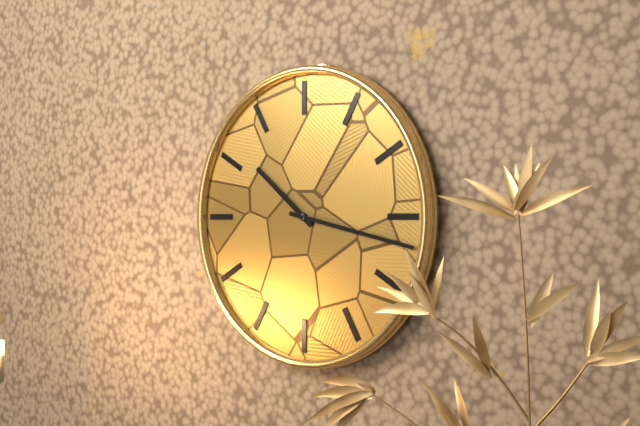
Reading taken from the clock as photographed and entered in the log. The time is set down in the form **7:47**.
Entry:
**10:17**
